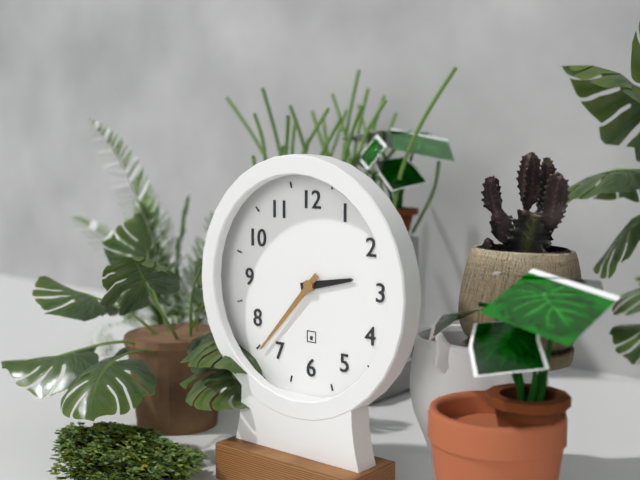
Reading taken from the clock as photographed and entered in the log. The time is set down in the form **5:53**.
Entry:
**2:37**
